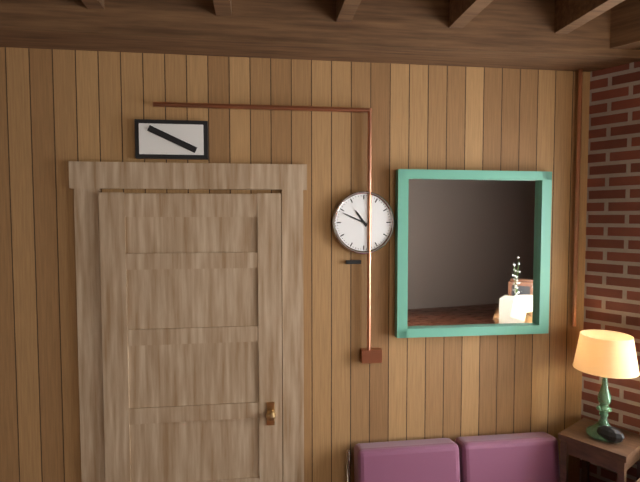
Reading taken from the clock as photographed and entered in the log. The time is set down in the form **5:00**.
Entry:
**10:49**
